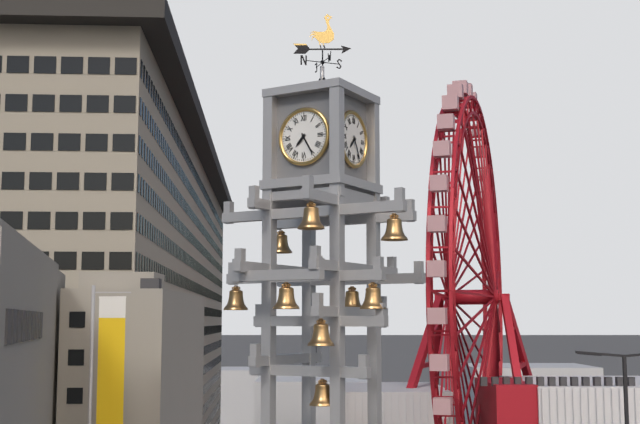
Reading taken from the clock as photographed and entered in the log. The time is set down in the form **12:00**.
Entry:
**7:25**
